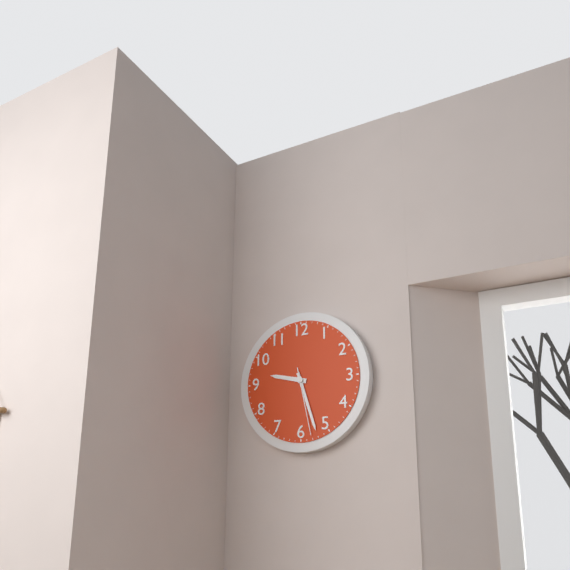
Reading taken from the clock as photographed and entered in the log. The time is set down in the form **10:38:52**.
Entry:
**9:27:28**
